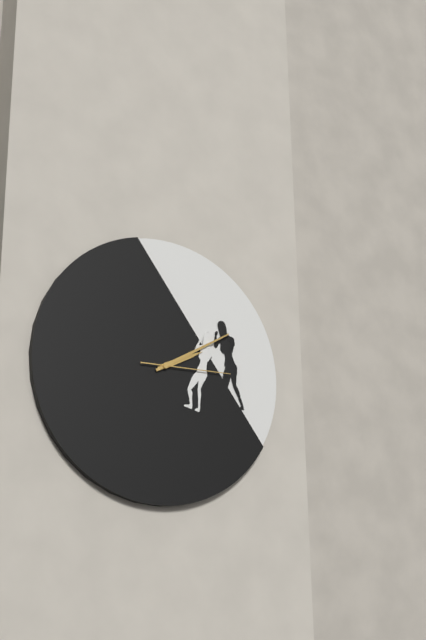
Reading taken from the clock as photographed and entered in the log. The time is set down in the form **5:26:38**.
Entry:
**2:10:15**
